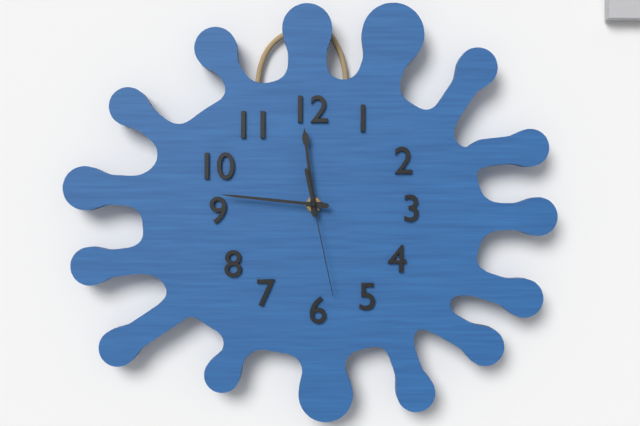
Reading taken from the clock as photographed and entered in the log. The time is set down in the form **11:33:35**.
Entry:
**11:46:28**
